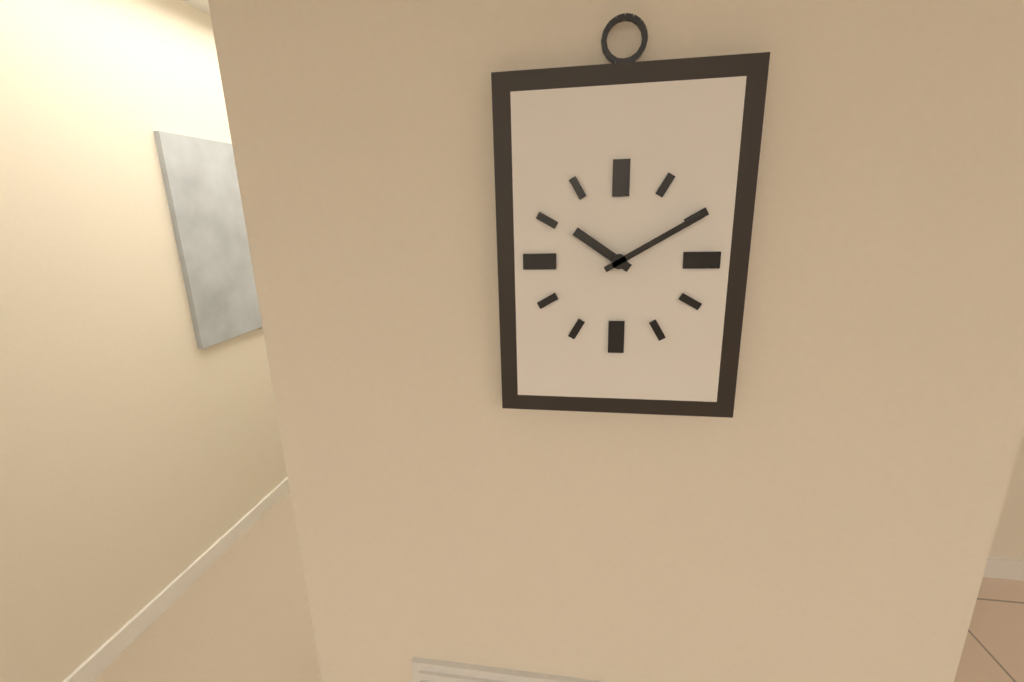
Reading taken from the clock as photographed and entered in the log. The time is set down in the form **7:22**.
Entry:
**10:10**
